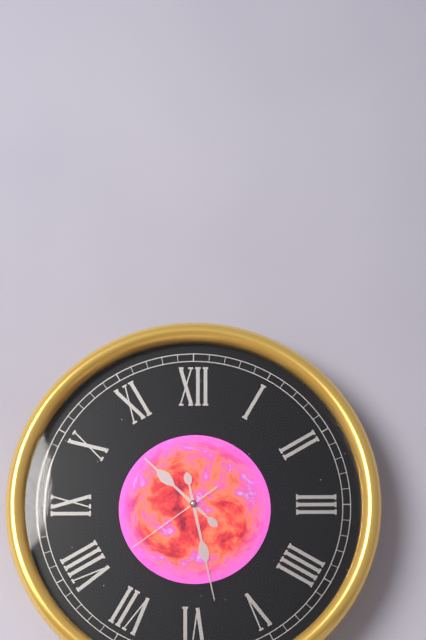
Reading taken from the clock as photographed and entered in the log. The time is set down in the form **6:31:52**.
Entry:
**10:28:39**
